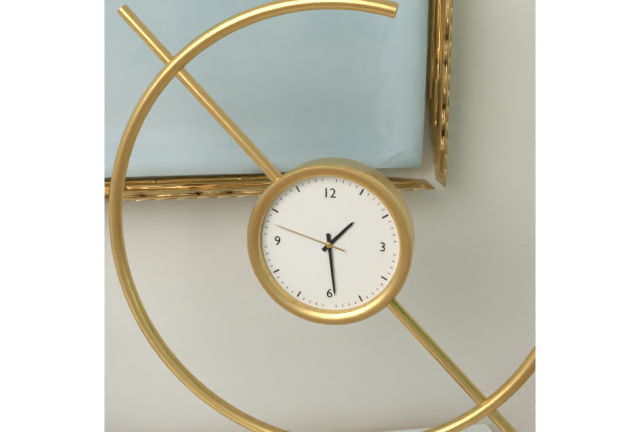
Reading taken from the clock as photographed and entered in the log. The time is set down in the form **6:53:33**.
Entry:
**1:29:48**
